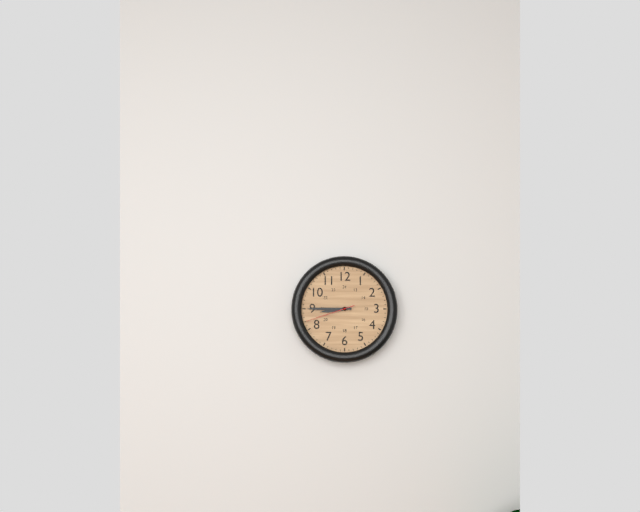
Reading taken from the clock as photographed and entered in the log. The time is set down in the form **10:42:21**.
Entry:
**8:45:42**
